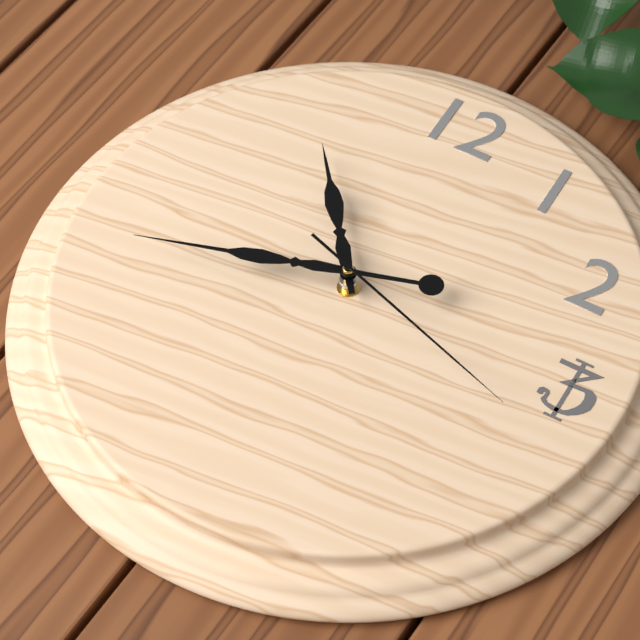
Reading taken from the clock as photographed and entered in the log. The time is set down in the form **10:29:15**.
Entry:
**10:42:18**
